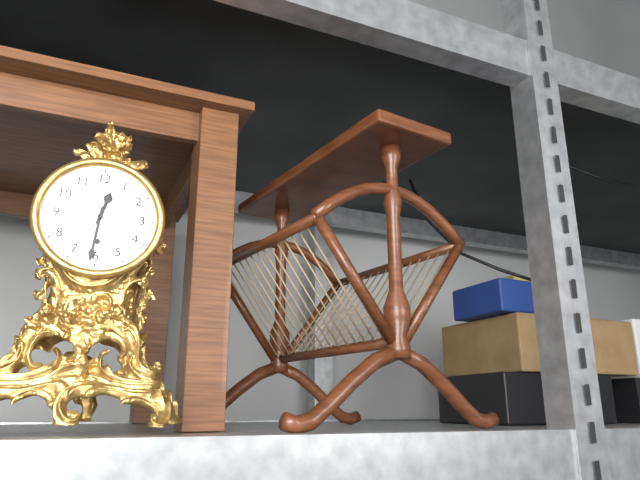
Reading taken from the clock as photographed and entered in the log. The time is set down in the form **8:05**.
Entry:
**12:31**
